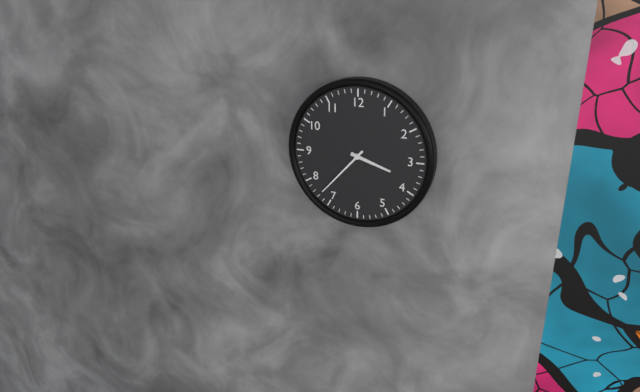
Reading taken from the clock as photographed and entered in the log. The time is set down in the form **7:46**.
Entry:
**3:37**
